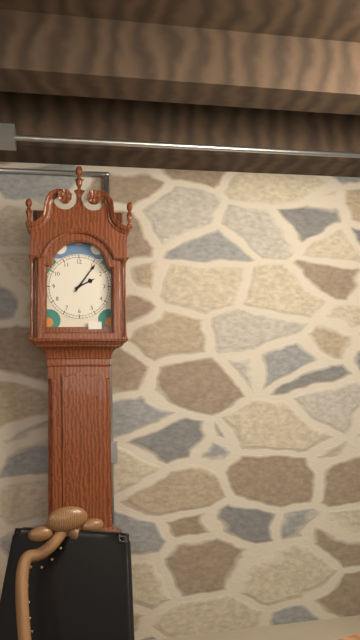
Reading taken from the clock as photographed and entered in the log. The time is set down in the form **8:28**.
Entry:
**2:06**
